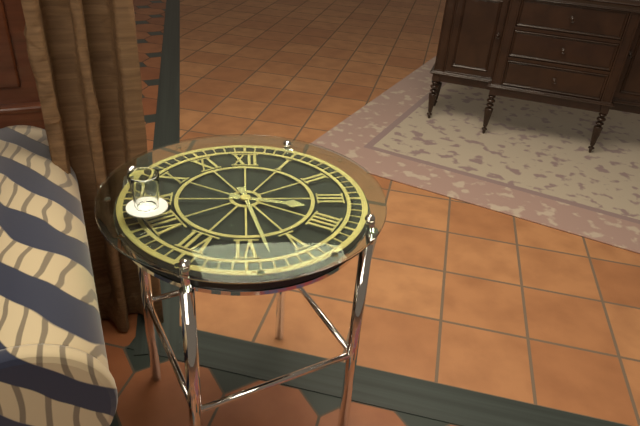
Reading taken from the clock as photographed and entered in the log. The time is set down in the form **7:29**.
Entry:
**3:28**
